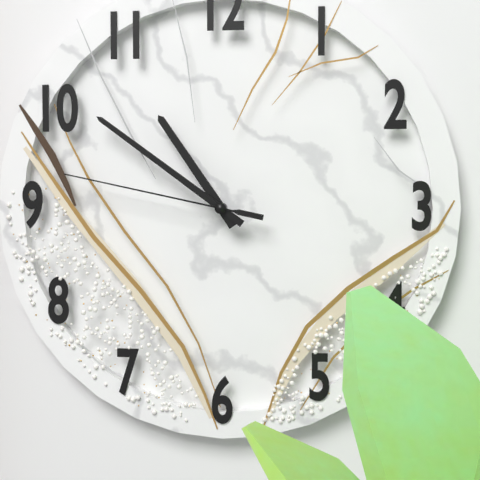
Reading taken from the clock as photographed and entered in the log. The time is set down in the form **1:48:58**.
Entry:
**10:51:47**
